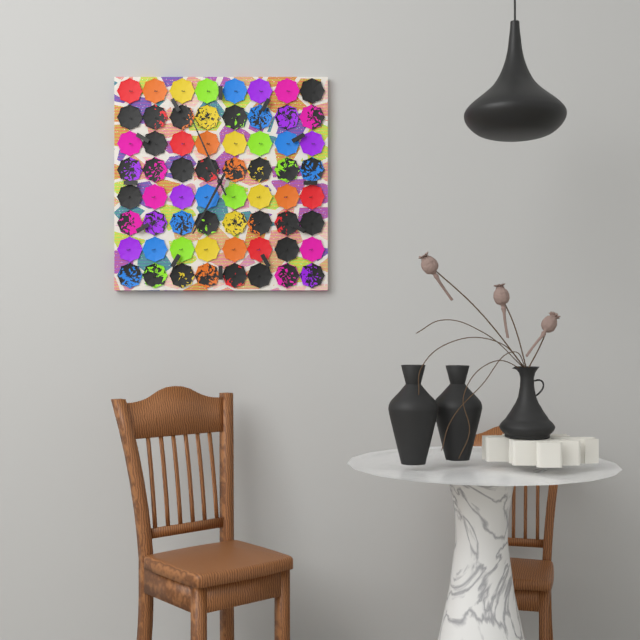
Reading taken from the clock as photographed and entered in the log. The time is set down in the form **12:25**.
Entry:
**6:56**
